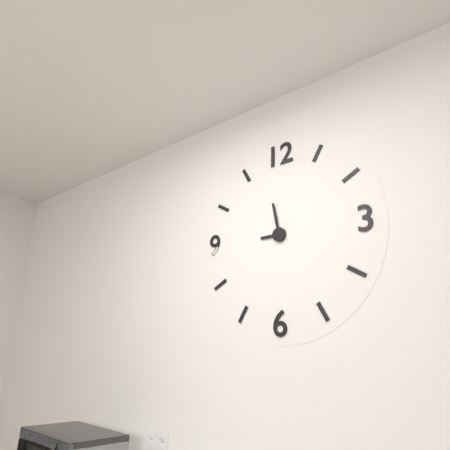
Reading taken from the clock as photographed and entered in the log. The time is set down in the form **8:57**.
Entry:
**8:58**
